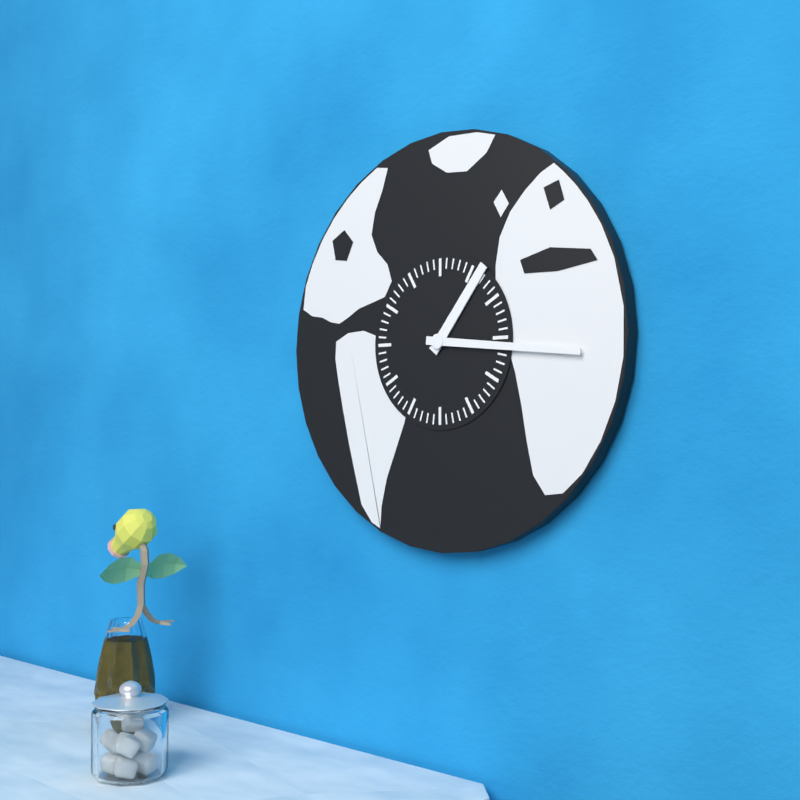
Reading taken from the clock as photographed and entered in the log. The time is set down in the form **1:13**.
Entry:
**1:16**
